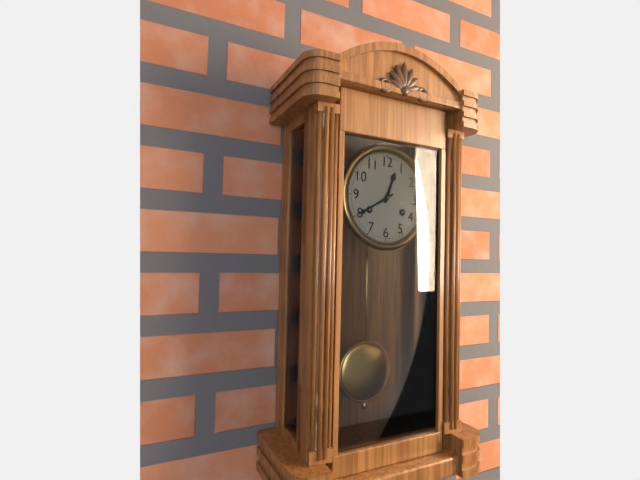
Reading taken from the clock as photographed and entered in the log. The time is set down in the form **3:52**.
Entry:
**12:40**
